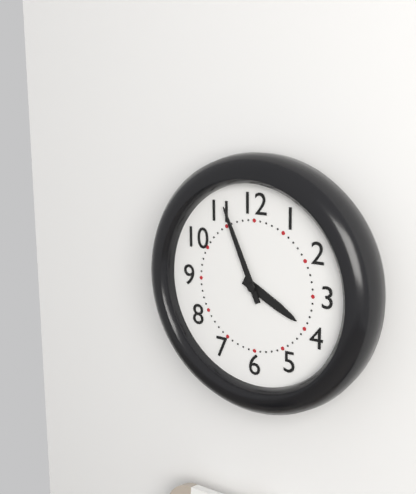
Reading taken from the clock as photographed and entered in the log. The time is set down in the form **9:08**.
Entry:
**3:56**
